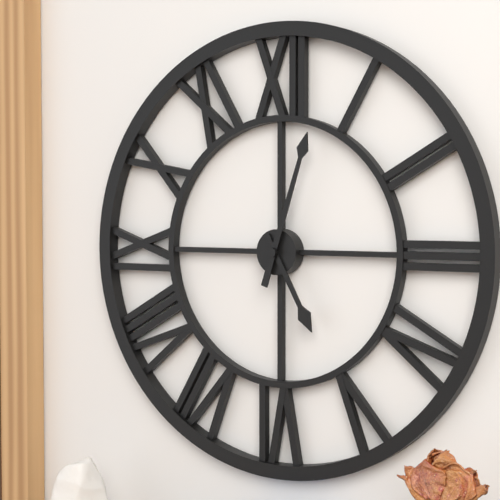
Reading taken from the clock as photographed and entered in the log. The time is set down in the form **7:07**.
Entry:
**5:03**
